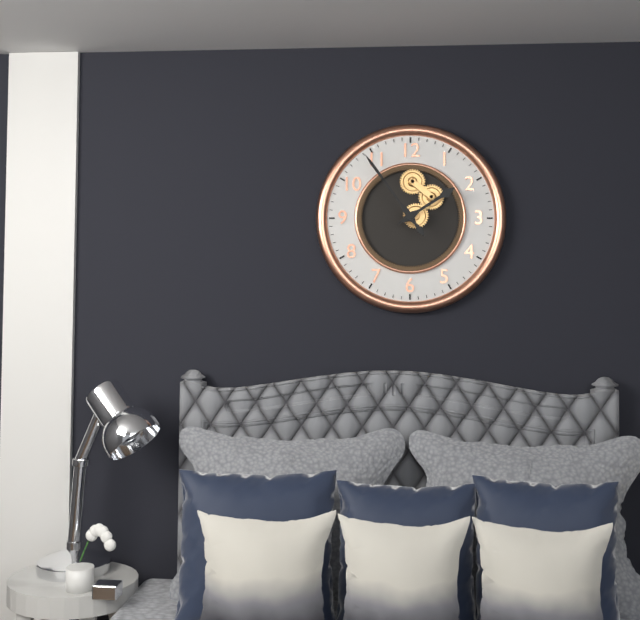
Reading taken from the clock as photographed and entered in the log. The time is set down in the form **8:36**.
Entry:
**1:54**
